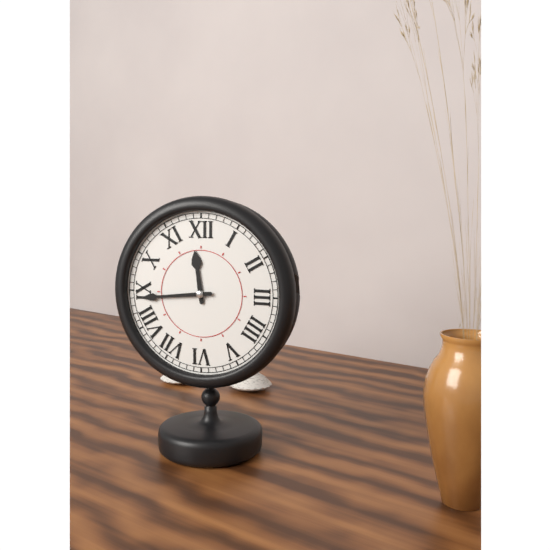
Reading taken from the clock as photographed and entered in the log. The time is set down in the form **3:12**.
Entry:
**11:44**
